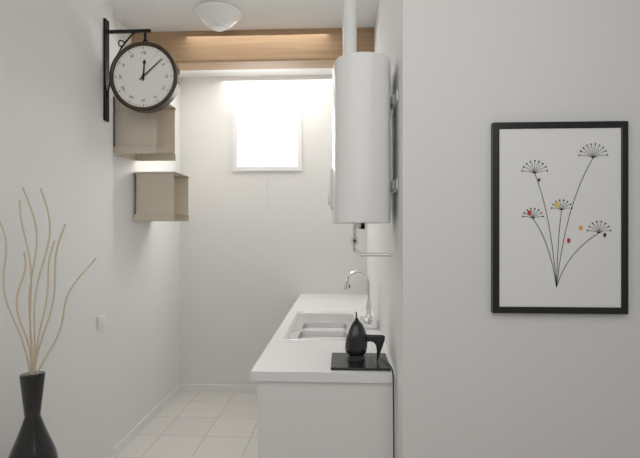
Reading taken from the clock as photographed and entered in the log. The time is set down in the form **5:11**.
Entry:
**12:08**
